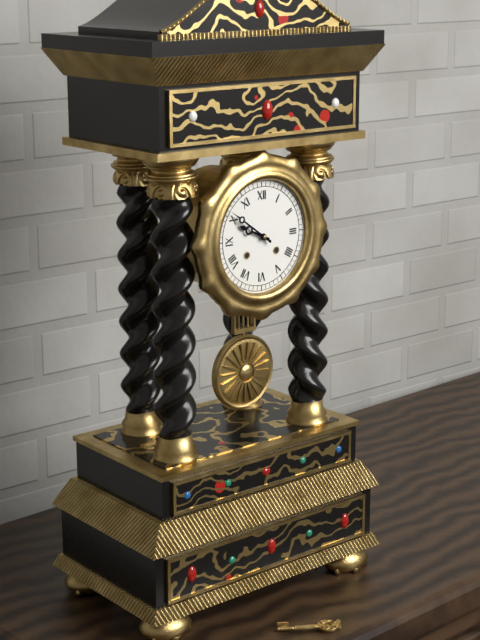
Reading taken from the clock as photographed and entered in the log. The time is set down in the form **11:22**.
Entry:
**9:51**
